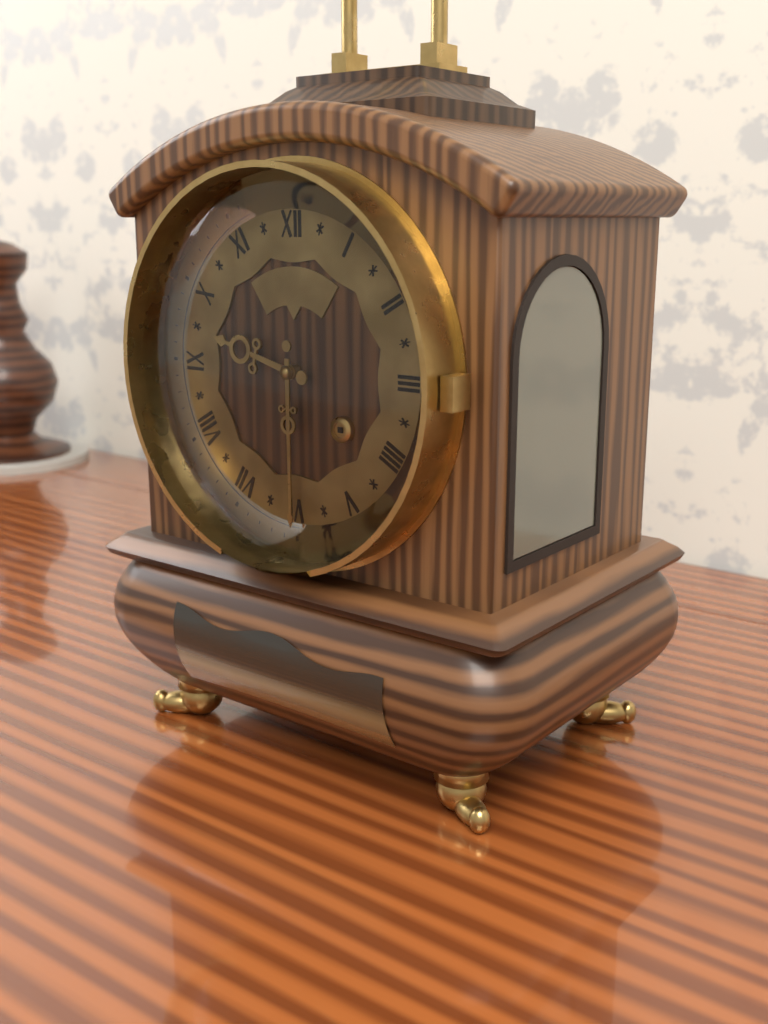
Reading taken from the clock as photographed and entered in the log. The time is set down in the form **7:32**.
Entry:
**9:30**
